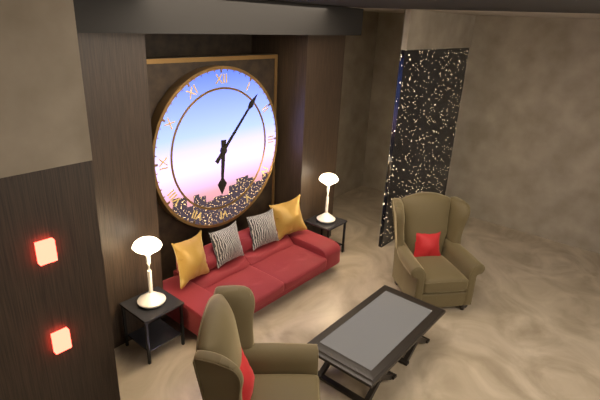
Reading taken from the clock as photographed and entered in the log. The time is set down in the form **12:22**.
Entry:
**6:07**
